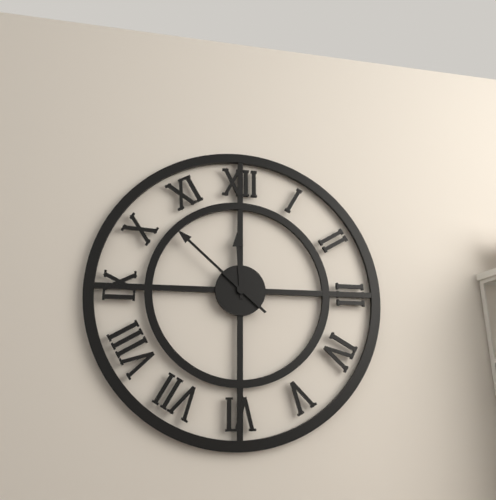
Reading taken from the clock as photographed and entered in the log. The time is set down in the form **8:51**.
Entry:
**11:52**
